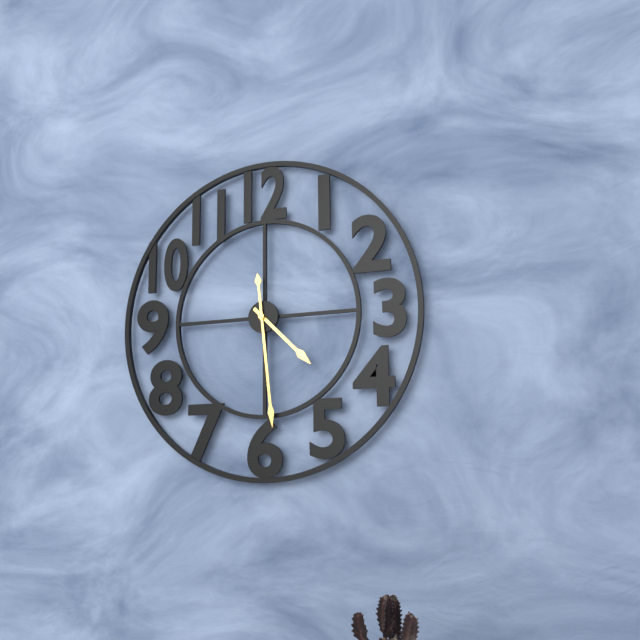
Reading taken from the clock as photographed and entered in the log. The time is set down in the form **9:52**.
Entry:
**4:29**
